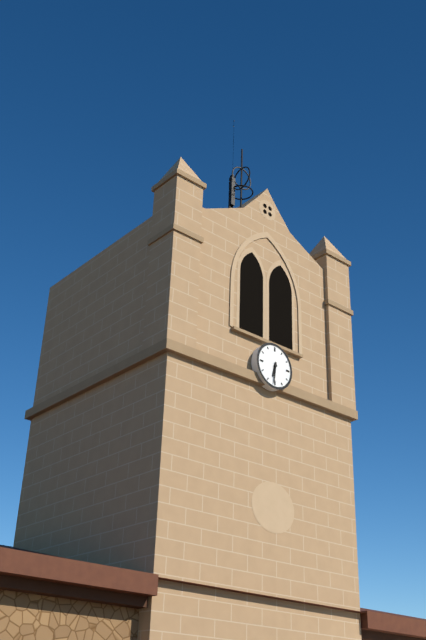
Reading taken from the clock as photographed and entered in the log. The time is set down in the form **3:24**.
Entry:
**6:31**
